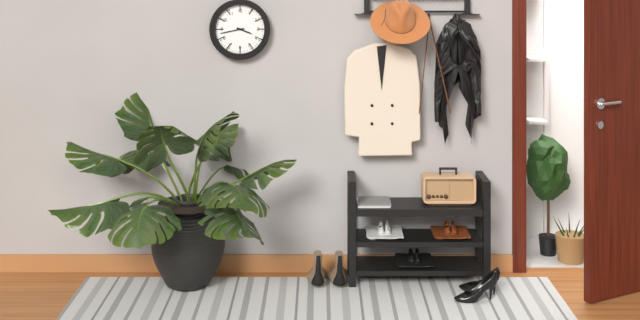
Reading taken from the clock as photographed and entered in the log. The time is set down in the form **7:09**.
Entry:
**3:43**
